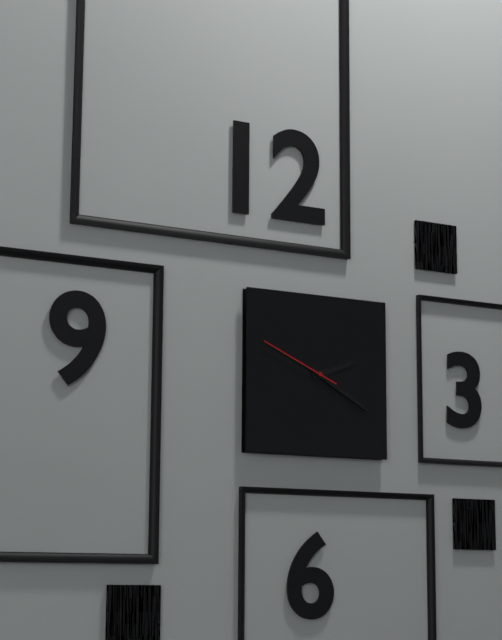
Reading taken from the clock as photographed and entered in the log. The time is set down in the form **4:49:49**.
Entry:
**2:20:49**
